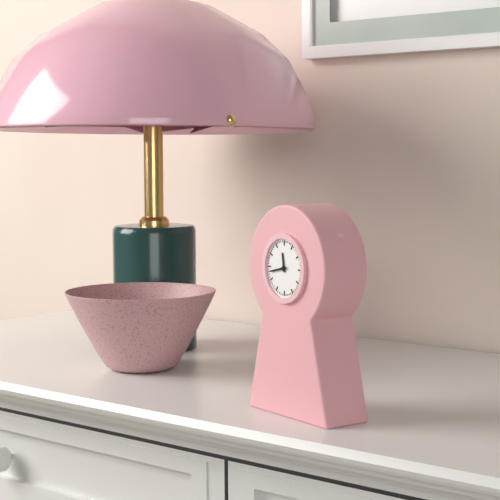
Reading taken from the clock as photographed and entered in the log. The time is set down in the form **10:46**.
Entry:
**11:43**
